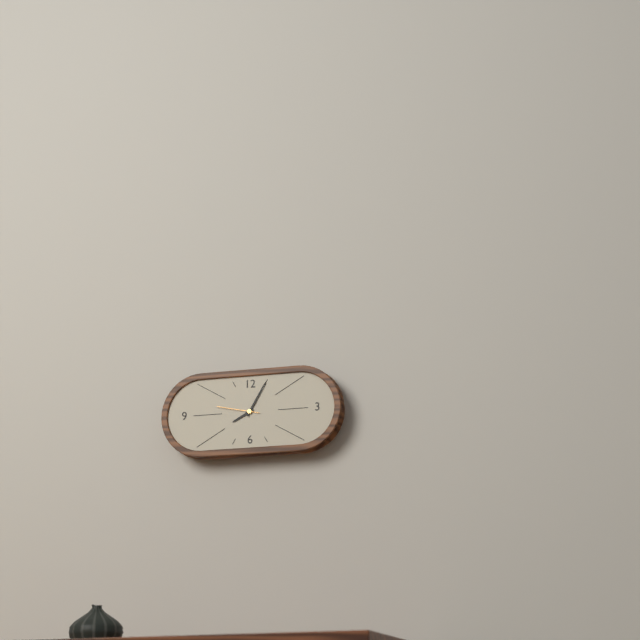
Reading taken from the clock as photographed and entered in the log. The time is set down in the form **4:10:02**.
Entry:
**8:05:47**
